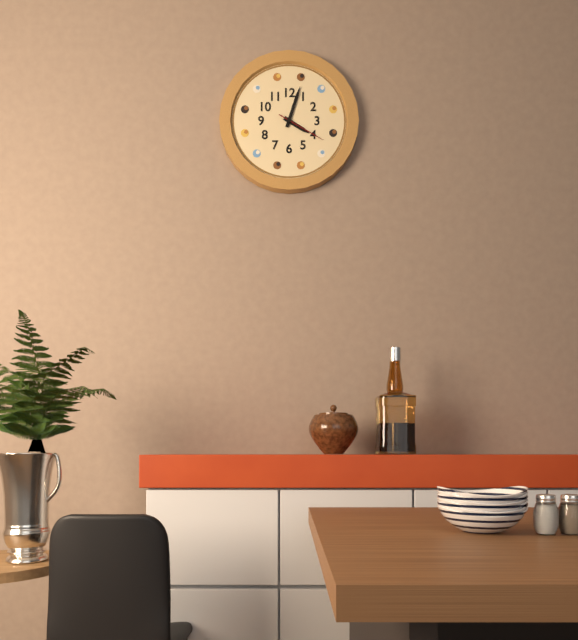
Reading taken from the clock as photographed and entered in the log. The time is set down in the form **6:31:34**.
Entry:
**4:03:20**
